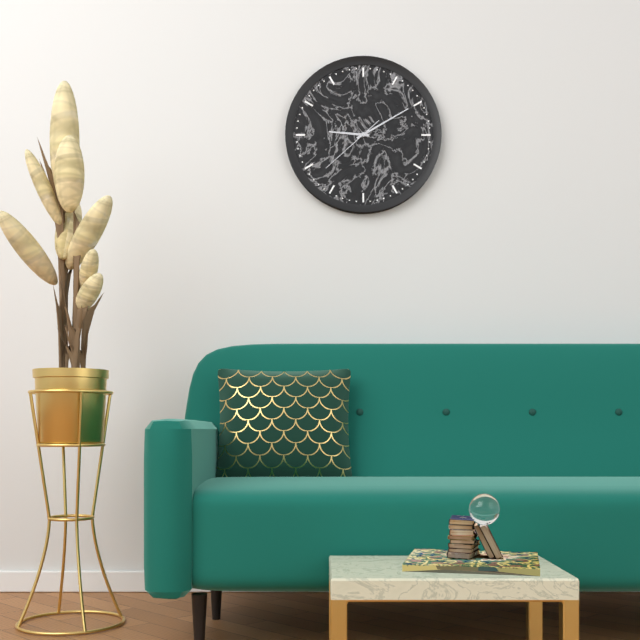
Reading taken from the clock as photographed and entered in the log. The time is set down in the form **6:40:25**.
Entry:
**9:10:38**
